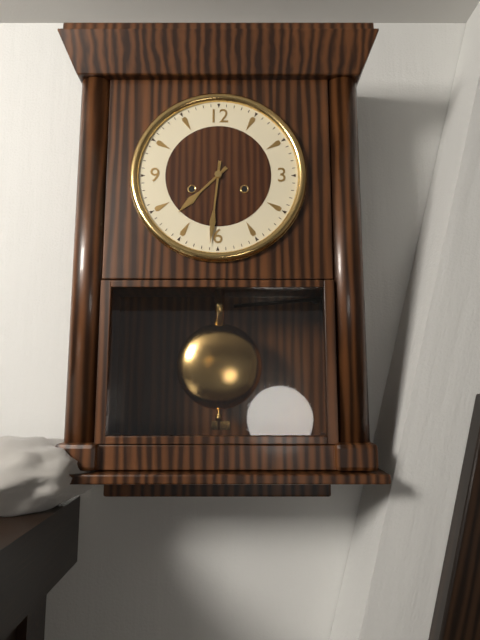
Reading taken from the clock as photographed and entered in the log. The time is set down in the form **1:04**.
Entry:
**7:31**
